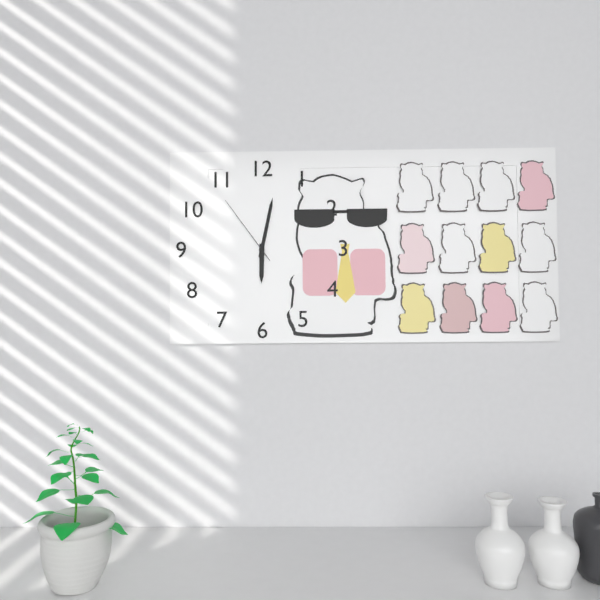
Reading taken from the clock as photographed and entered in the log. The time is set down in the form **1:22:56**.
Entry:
**6:02:54**
